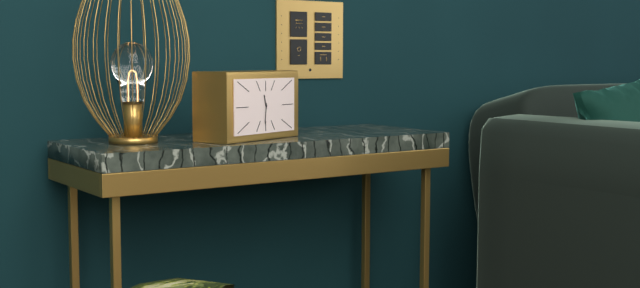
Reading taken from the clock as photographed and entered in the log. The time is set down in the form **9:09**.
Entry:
**11:31**
